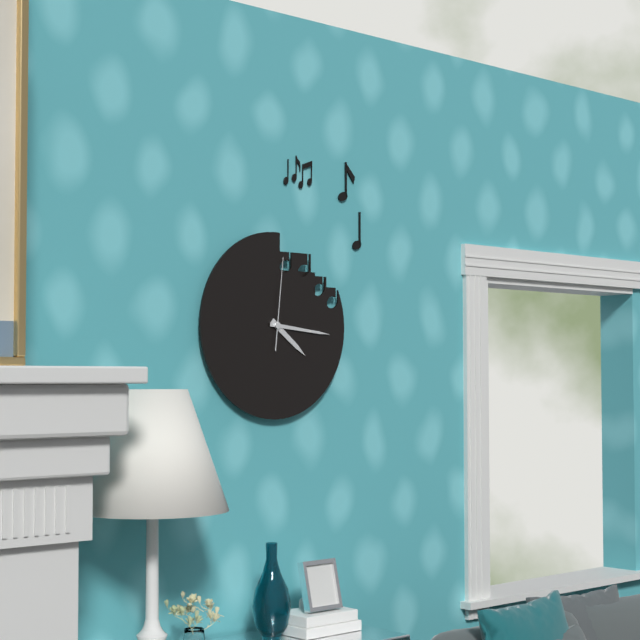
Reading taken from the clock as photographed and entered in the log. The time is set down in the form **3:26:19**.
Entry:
**4:16:01**
